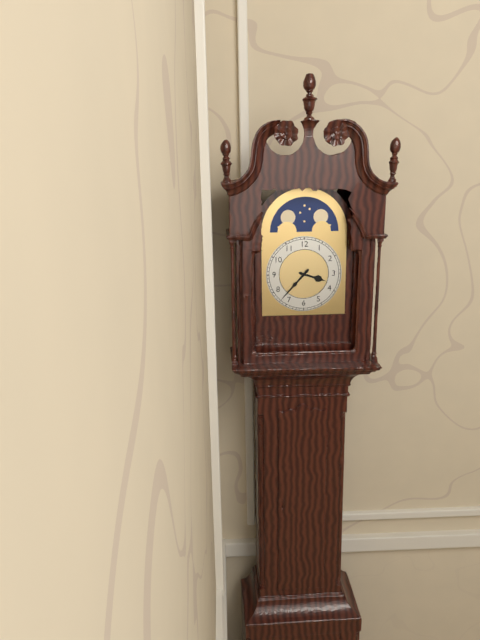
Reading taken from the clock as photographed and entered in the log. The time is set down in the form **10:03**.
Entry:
**3:37**
